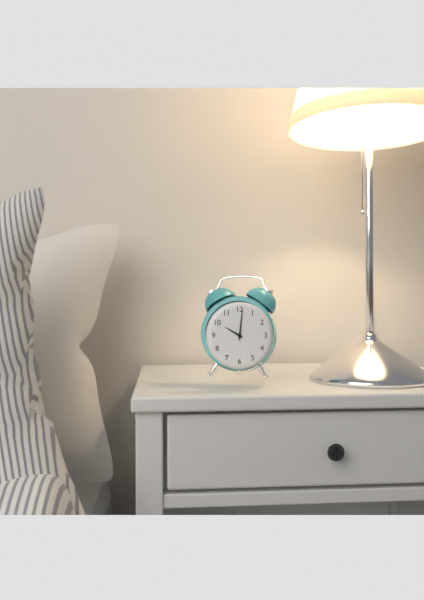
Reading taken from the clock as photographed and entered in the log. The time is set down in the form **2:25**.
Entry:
**10:01**
